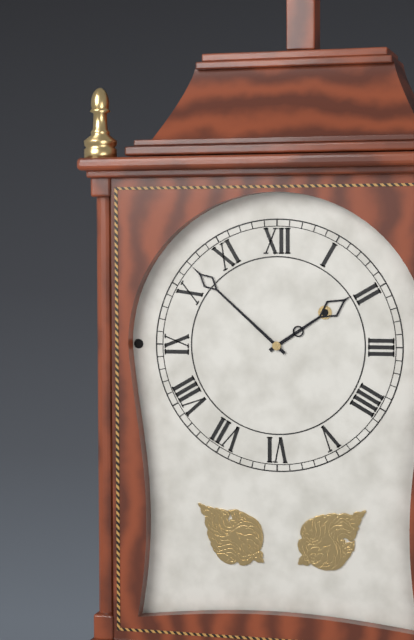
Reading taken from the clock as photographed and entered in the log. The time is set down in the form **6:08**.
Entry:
**1:52**
